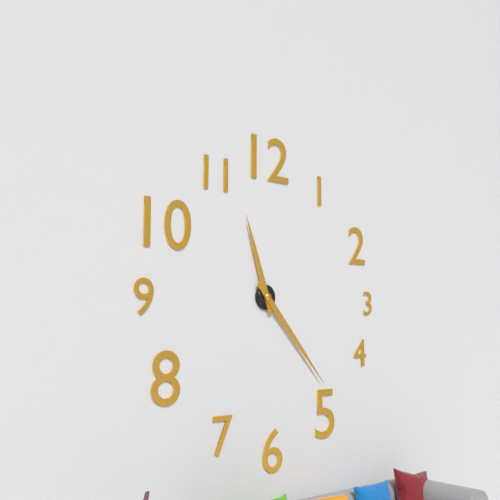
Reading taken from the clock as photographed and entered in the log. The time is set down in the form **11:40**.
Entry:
**11:23**
